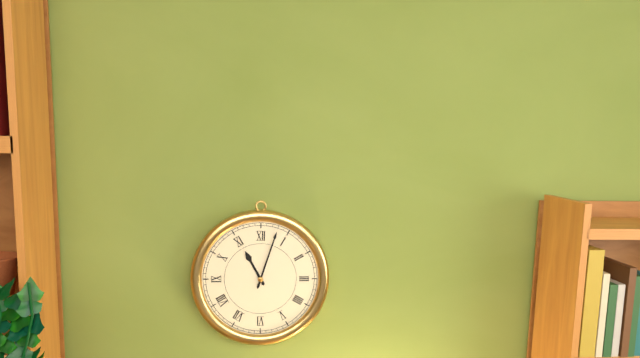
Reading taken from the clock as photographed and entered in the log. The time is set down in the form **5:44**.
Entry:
**11:03**
